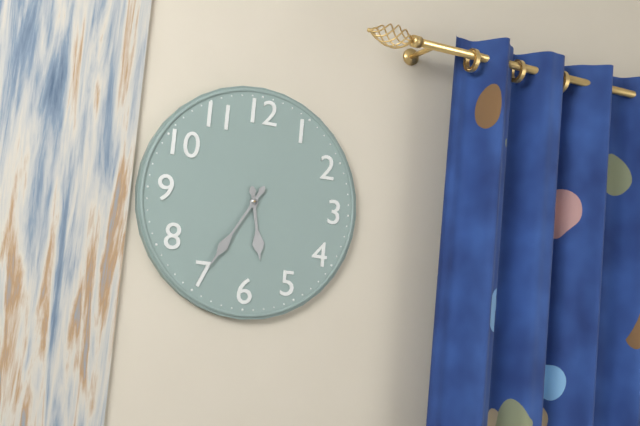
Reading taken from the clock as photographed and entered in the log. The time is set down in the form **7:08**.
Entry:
**5:35**
